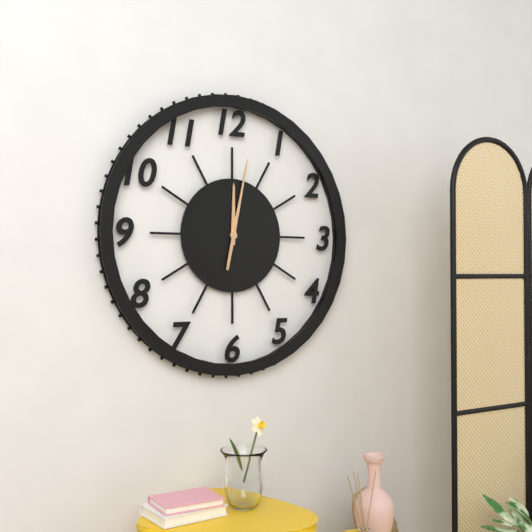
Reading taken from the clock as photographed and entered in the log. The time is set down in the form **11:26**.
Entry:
**12:02**
